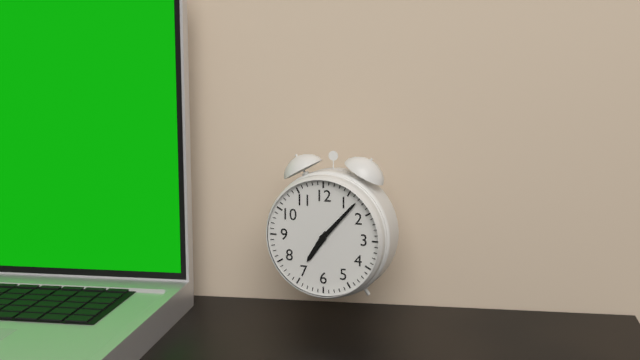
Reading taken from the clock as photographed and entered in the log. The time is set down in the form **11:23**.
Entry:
**7:07**
